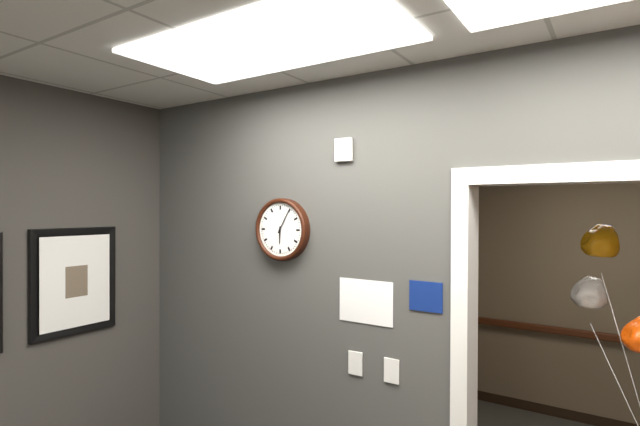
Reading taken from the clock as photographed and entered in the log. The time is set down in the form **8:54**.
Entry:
**6:05**
